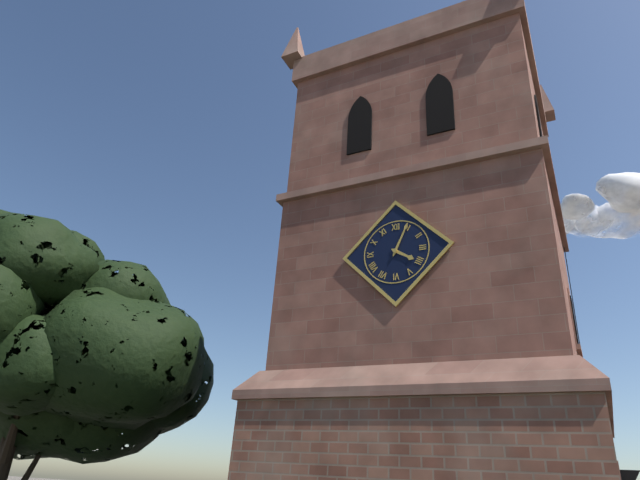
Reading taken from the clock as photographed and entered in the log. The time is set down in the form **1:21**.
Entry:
**4:04**
